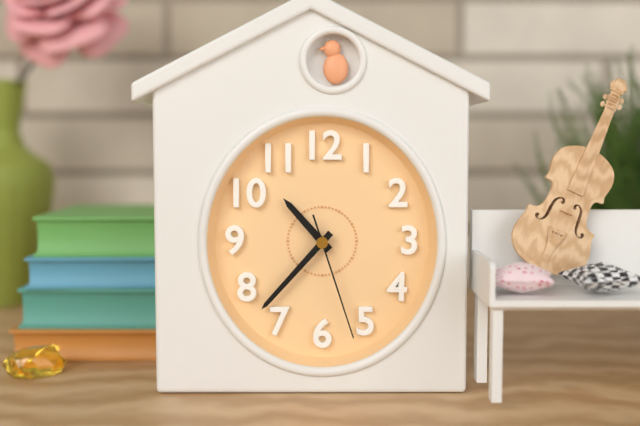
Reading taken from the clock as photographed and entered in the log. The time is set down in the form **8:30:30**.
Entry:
**10:37:27**
